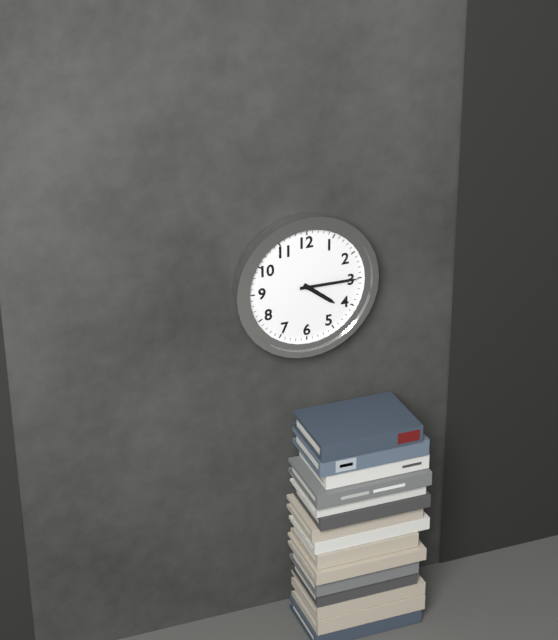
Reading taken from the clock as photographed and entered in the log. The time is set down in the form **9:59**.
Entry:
**4:15**
